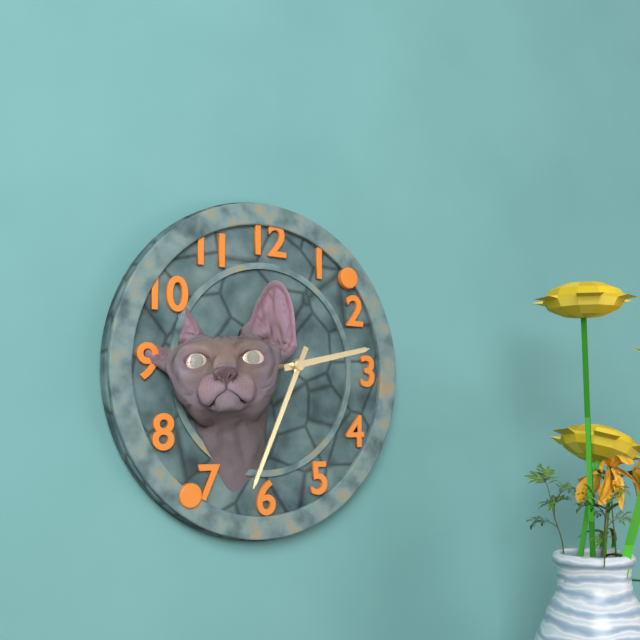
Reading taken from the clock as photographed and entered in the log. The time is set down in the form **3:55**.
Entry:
**2:34**
